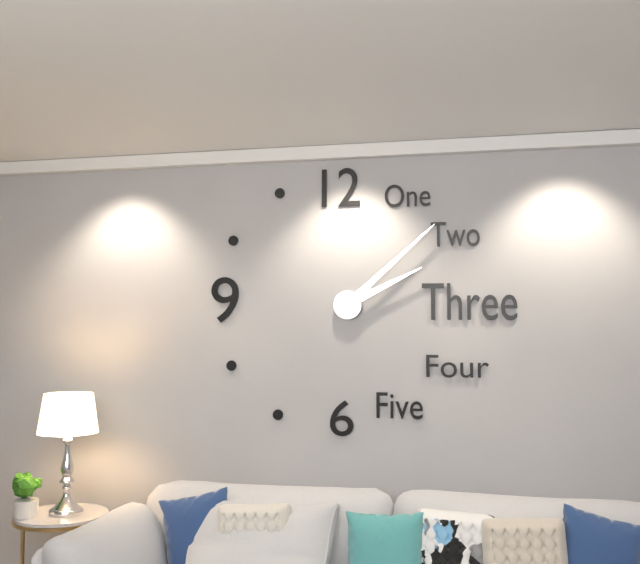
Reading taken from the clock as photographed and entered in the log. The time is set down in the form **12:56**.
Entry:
**2:08**
